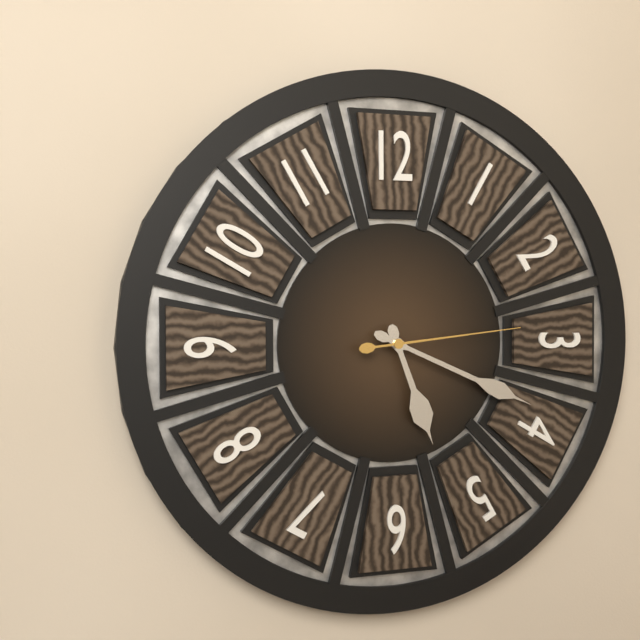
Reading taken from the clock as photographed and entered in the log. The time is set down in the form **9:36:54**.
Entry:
**5:19:14**
